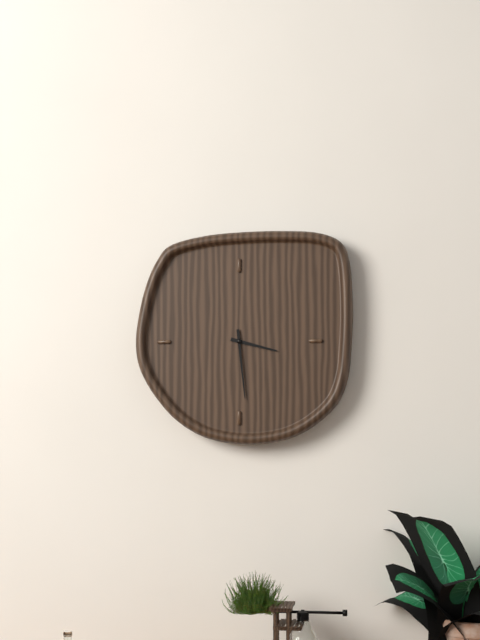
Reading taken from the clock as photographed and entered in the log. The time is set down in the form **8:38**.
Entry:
**3:29**
